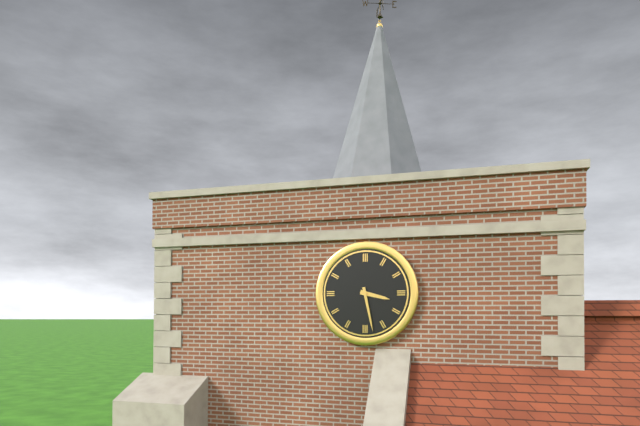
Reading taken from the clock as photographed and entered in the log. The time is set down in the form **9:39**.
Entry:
**3:28**
